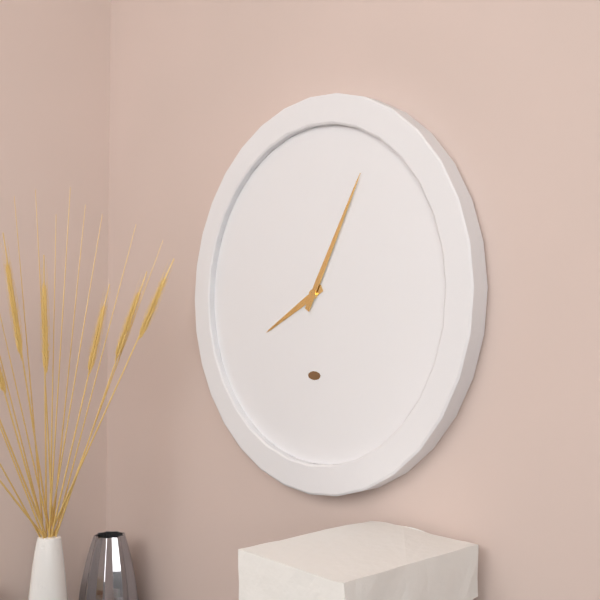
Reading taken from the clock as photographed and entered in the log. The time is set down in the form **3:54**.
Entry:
**8:05**
